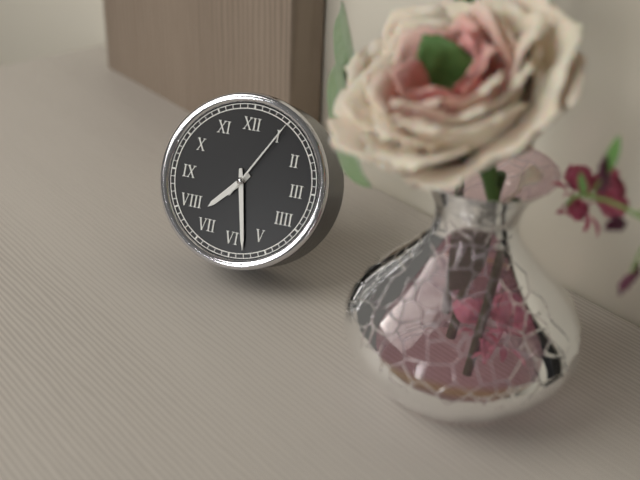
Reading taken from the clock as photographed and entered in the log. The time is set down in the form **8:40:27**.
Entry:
**7:28:05**
